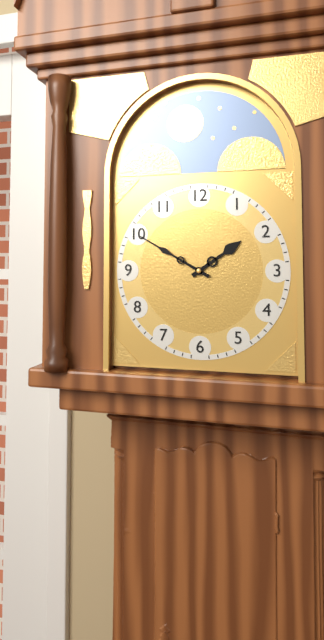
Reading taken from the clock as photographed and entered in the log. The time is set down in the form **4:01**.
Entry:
**1:50**
